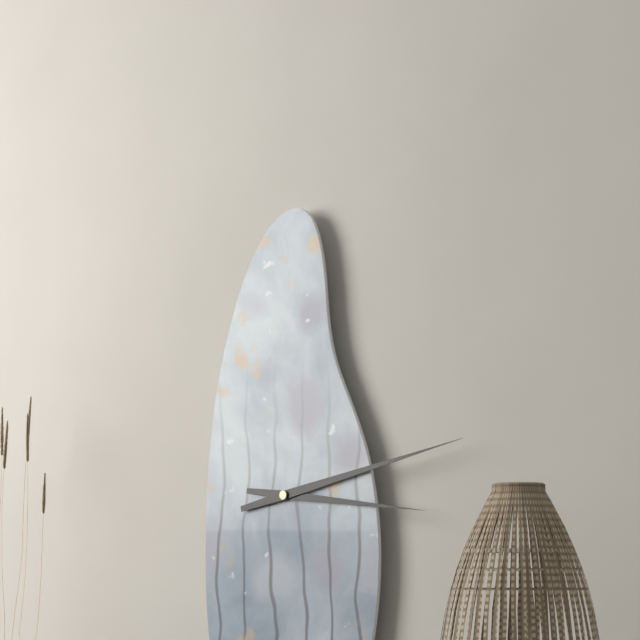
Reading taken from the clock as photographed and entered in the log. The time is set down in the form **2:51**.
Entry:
**3:13**
